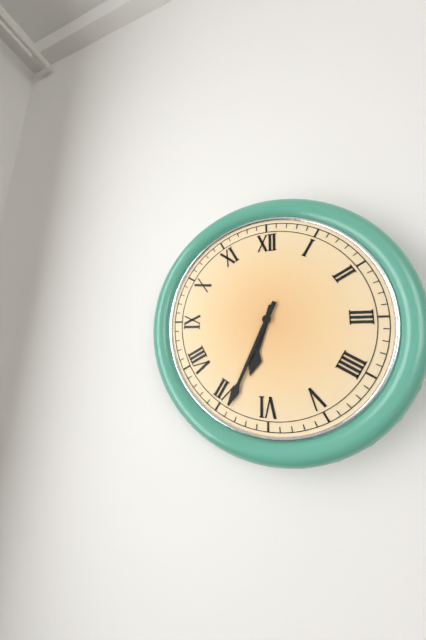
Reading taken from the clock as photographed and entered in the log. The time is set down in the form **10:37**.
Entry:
**6:34**
